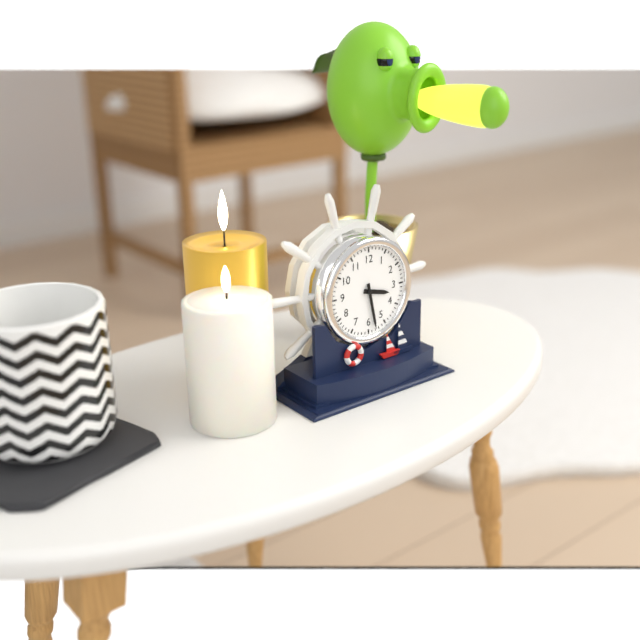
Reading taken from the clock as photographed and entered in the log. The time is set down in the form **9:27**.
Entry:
**3:28**
